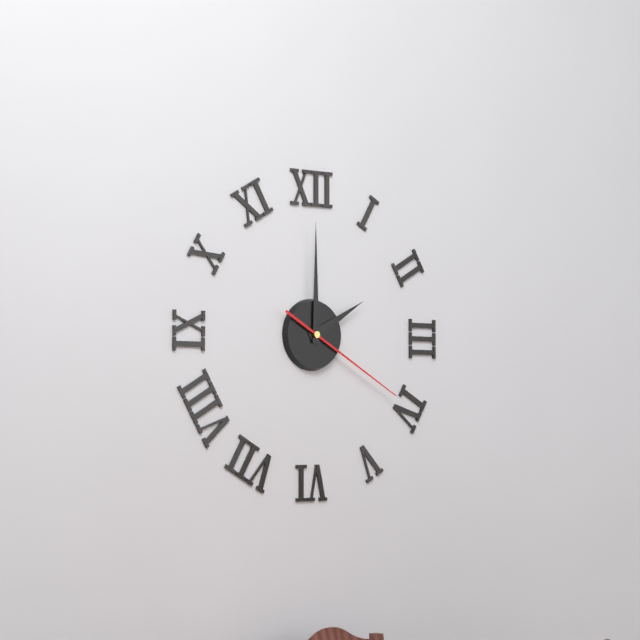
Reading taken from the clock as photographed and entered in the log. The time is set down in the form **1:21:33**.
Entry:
**2:00:20**
